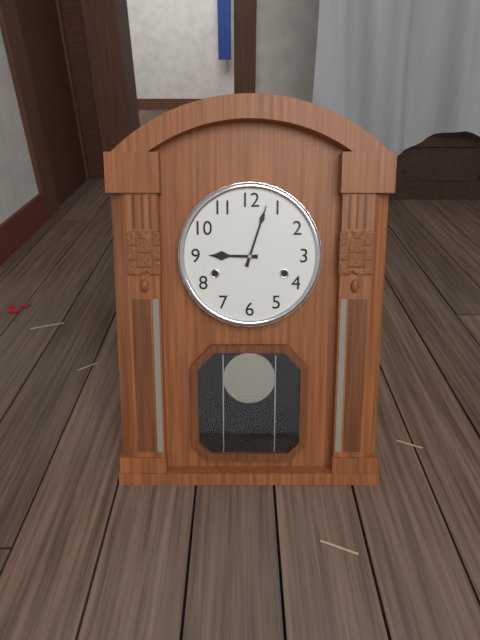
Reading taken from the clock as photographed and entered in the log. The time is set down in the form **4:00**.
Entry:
**9:03**
